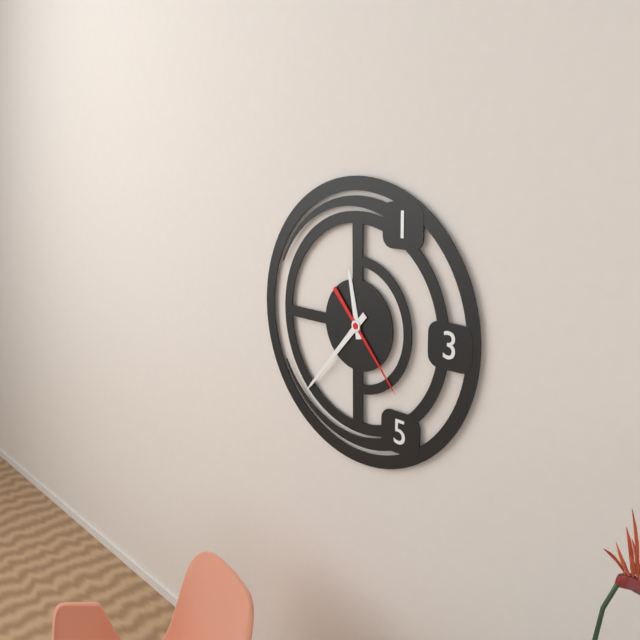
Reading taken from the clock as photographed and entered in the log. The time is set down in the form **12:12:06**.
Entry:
**11:37:23**
